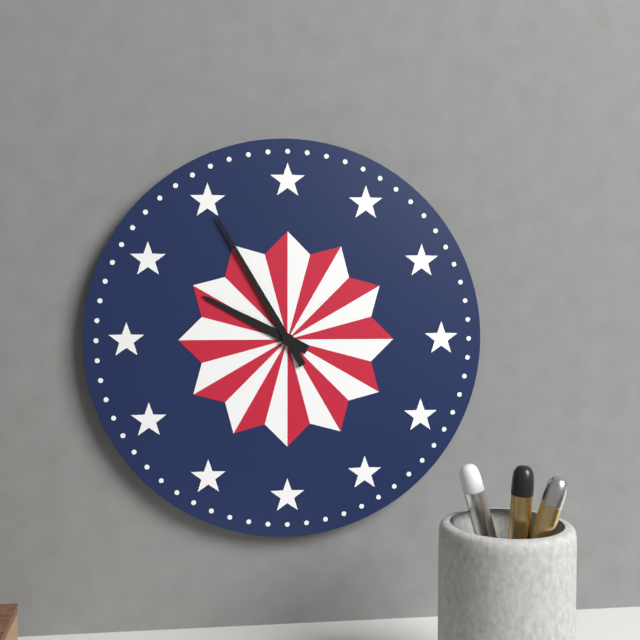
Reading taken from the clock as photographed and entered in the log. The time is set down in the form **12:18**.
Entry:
**9:55**
